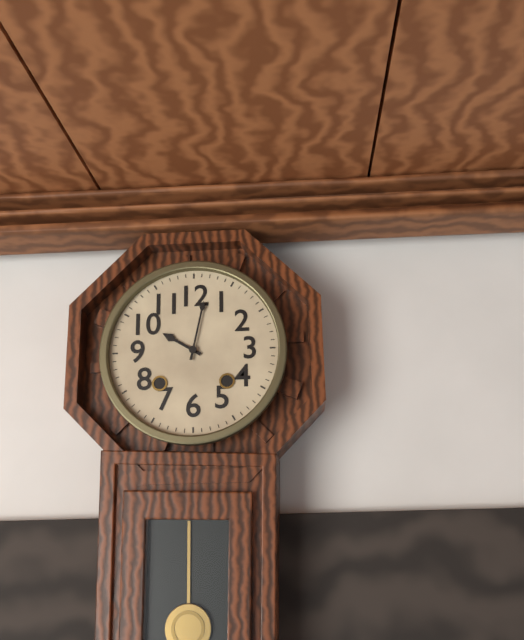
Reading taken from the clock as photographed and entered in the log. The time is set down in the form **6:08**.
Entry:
**10:02**
